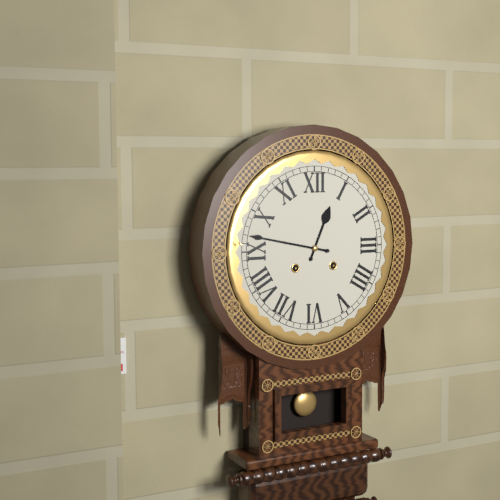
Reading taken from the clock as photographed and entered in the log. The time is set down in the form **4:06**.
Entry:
**12:47**
